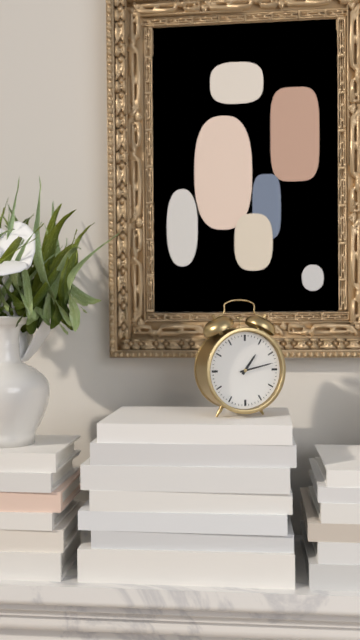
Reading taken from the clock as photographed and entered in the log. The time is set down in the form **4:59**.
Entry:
**1:13**
